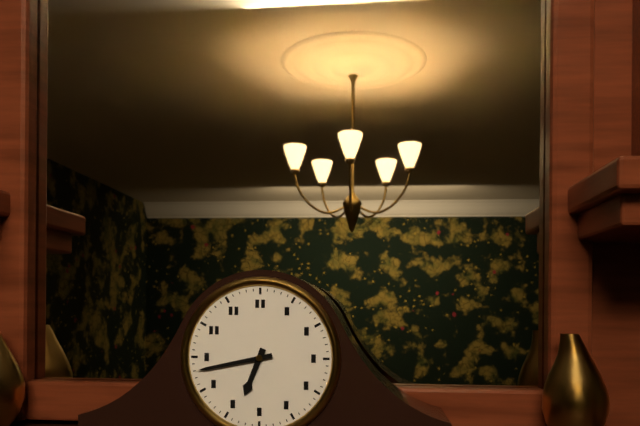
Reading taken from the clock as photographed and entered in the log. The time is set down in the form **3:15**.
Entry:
**6:43**
